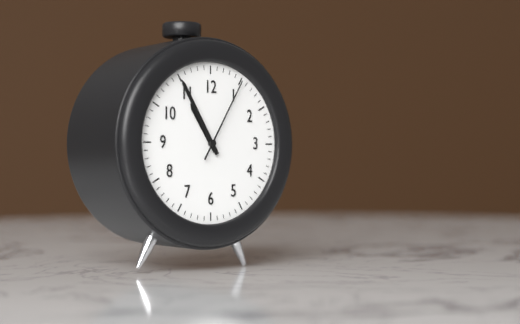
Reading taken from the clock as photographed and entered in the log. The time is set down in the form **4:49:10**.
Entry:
**10:55:05**
